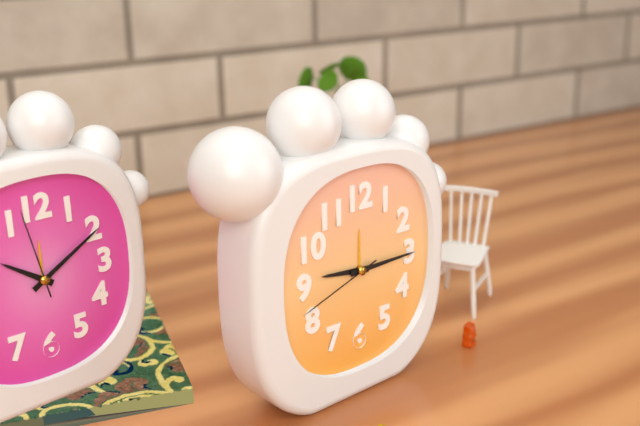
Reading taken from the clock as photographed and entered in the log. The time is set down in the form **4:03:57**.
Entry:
**9:15:42**
